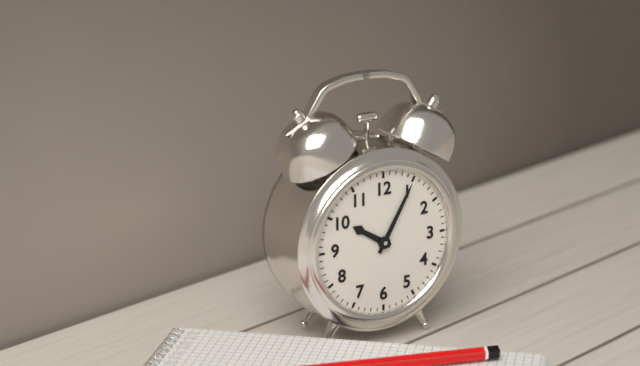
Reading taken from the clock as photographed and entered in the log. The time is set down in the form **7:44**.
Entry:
**10:05**
